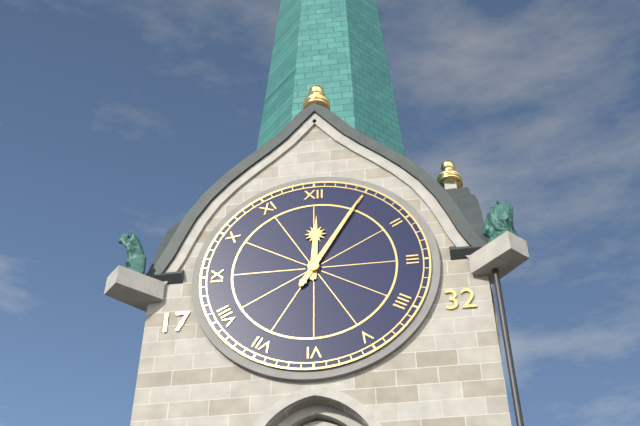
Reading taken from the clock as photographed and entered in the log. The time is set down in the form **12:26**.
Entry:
**12:05**
